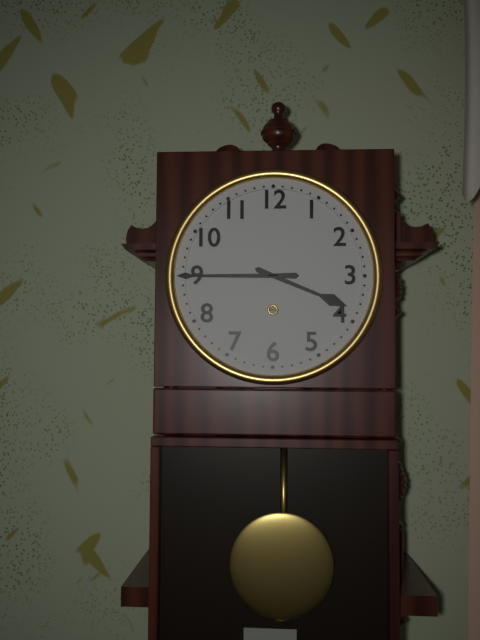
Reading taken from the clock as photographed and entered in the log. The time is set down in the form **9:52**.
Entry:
**3:45**
